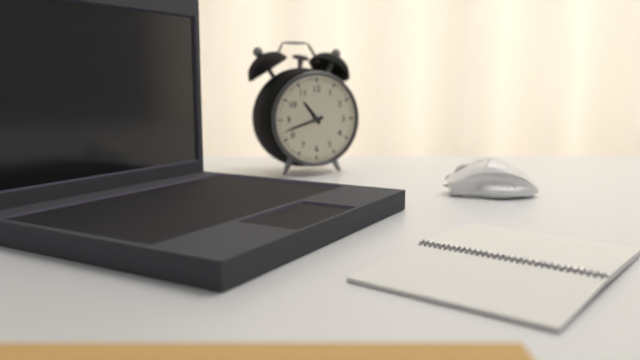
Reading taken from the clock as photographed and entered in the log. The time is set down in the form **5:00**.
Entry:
**10:42**
